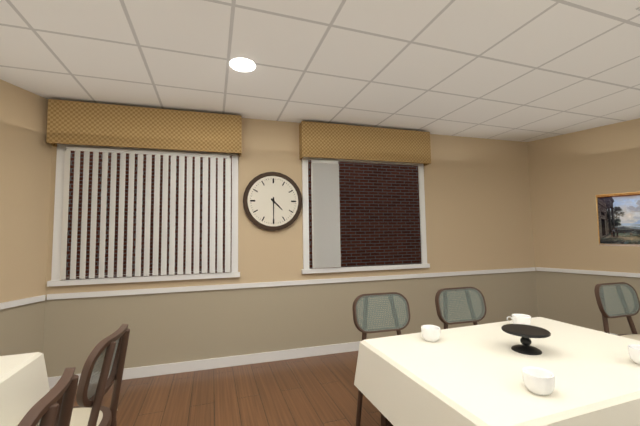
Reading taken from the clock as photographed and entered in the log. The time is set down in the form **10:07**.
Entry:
**4:30**
